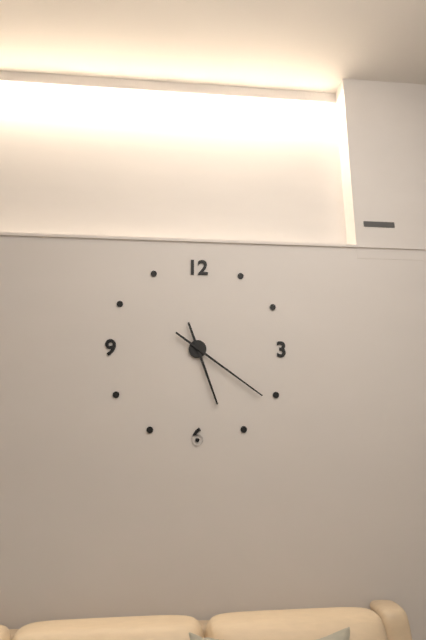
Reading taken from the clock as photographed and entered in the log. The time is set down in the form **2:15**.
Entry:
**5:21**
